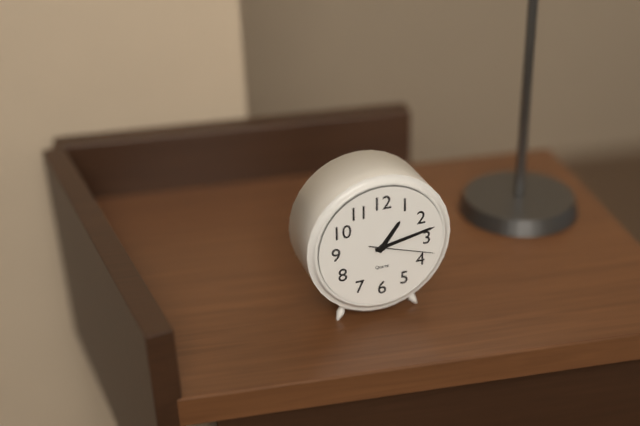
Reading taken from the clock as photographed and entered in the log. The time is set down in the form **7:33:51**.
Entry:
**1:13:18**
